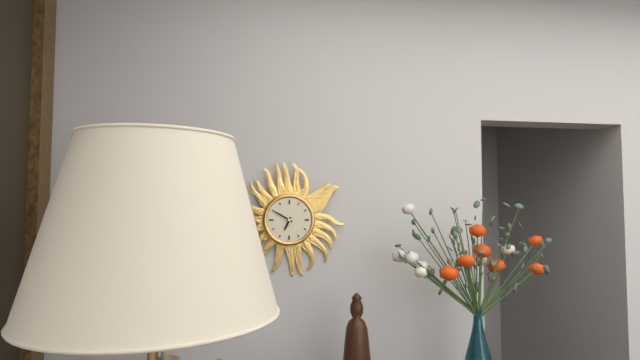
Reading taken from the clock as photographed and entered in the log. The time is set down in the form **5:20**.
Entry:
**6:50**
